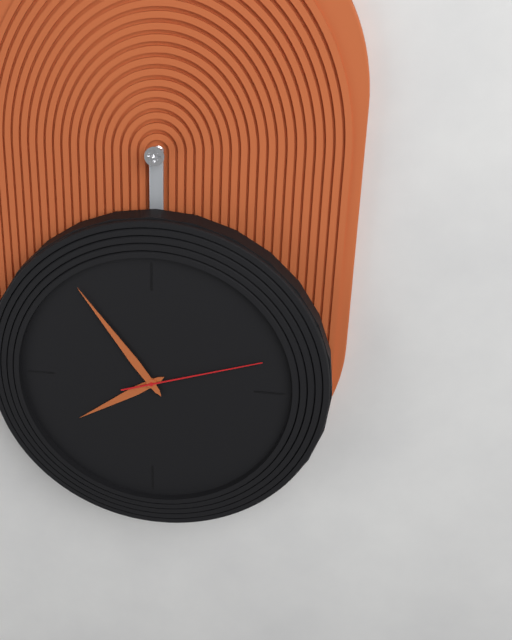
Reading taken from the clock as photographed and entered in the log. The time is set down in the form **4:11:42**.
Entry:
**7:54:12**
